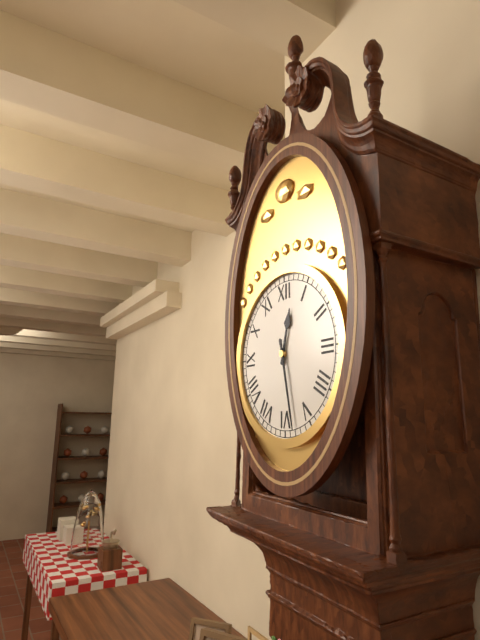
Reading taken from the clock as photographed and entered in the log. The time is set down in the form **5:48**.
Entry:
**12:28**
